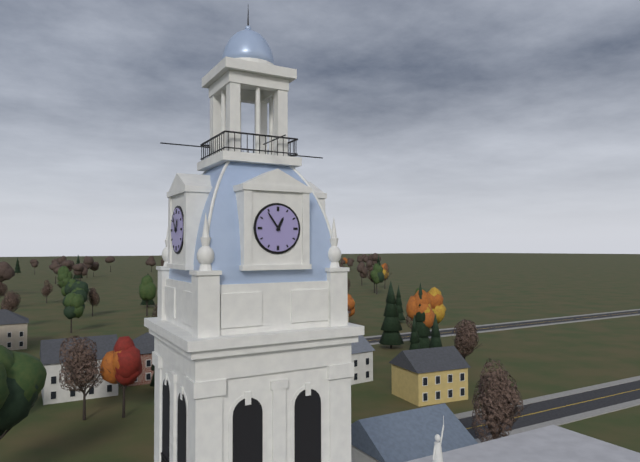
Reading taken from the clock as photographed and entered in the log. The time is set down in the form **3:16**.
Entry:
**12:54**
